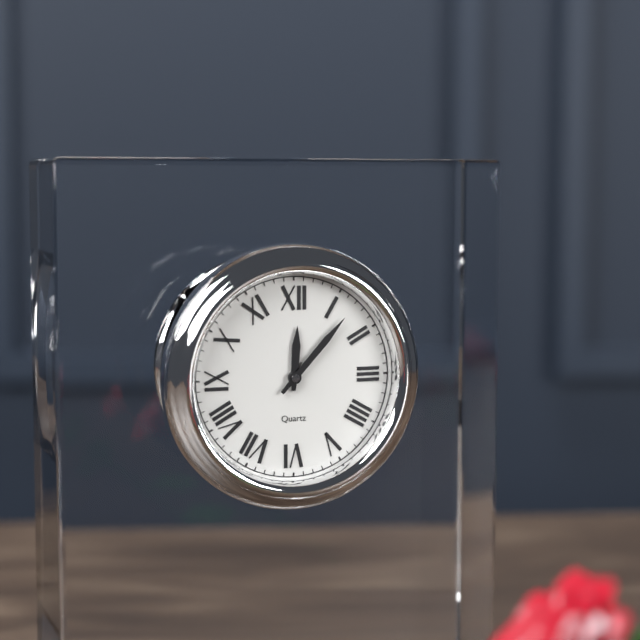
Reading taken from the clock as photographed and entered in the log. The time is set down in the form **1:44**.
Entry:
**12:07**
